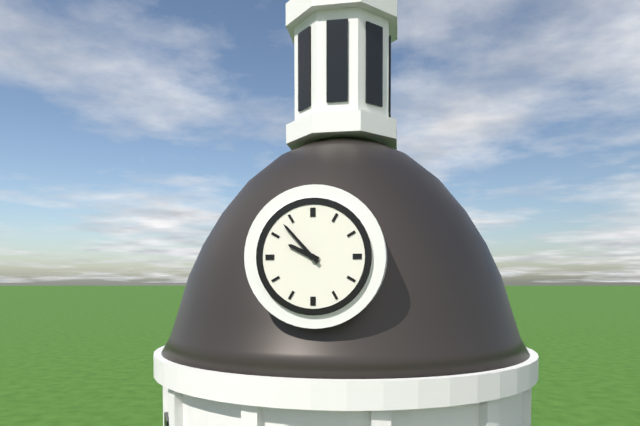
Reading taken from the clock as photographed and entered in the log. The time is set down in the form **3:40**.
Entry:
**9:53**
